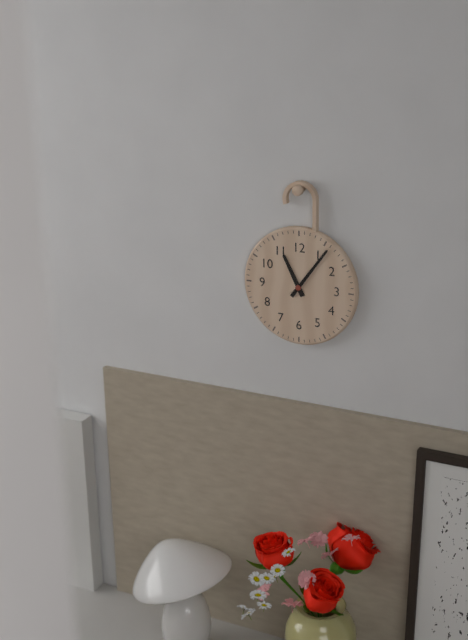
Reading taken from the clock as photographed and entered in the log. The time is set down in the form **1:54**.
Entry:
**11:06**
